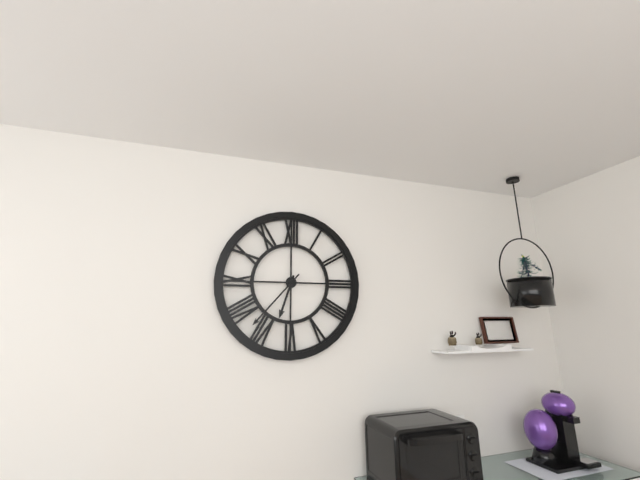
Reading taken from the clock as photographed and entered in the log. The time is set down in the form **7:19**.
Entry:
**6:37**
